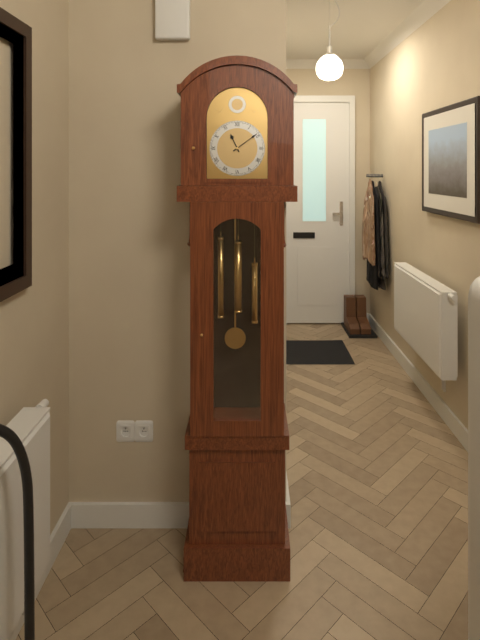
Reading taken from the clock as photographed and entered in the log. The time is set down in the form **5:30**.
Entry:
**11:09**
